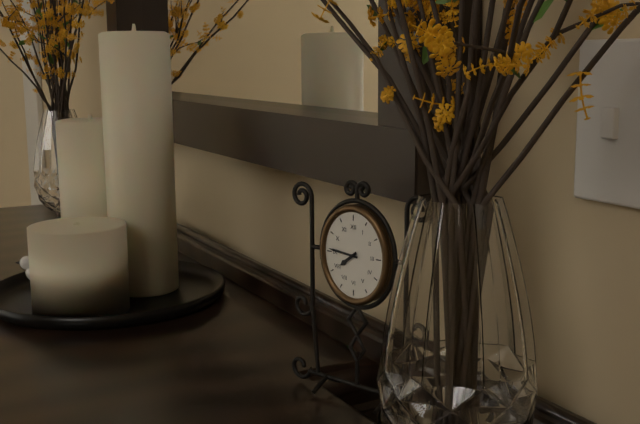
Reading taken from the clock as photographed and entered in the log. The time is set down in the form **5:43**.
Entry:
**7:46**
